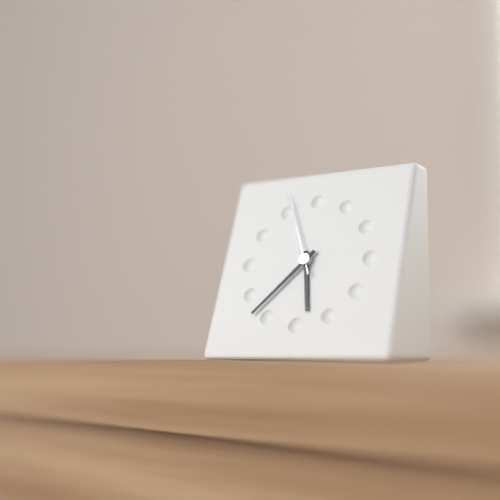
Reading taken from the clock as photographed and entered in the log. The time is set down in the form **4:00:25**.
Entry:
**5:37:56**
